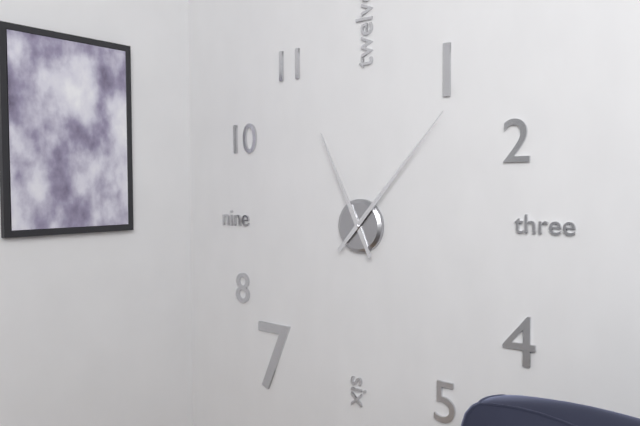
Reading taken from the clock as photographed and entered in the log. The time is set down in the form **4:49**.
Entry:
**11:07**
